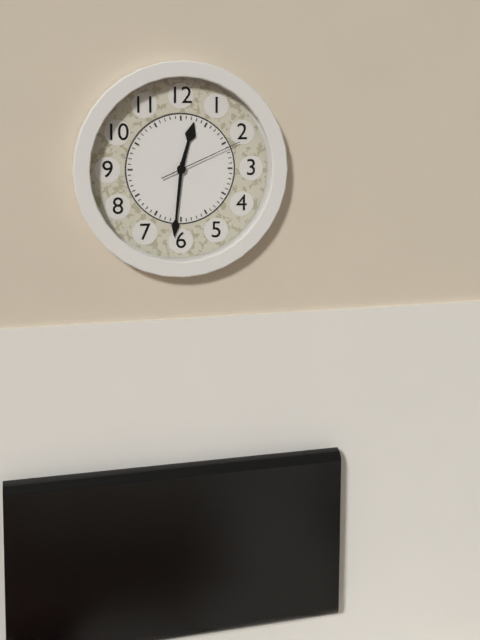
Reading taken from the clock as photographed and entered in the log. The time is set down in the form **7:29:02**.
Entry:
**12:31:11**
